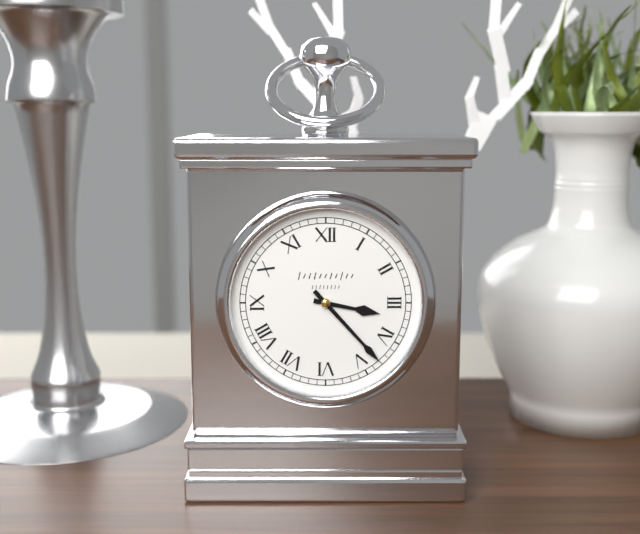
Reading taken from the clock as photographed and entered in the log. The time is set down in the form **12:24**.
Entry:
**3:23**
